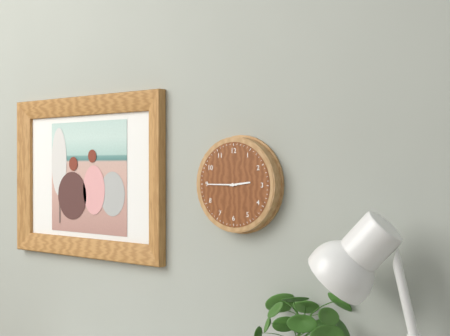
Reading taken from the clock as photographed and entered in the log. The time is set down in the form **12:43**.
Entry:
**2:45**
